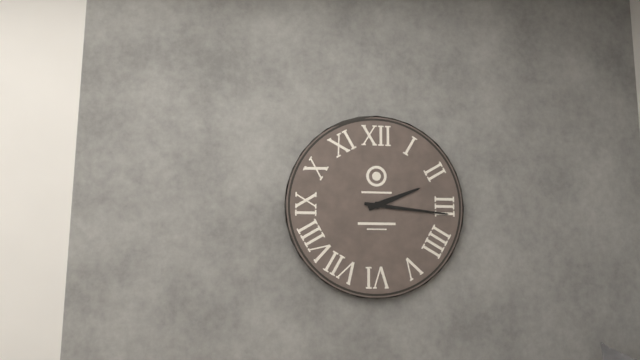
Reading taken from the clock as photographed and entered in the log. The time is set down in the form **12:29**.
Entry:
**2:16**
